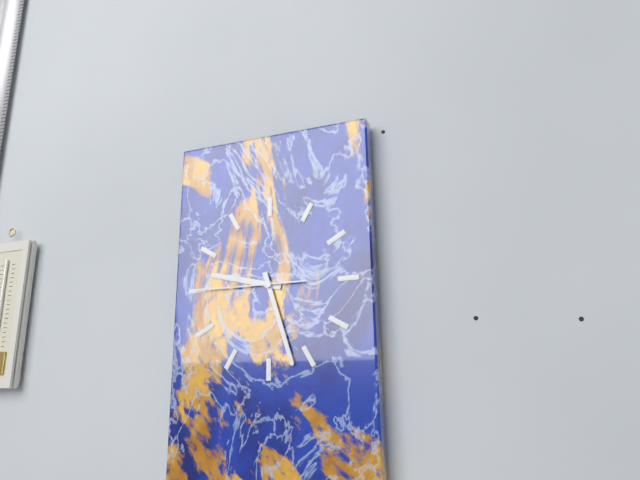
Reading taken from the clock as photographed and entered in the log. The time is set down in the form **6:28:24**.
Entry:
**9:27:45**
